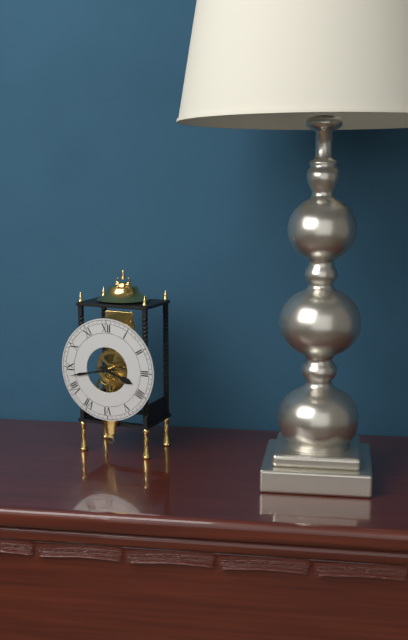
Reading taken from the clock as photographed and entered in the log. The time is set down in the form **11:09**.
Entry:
**3:43**
